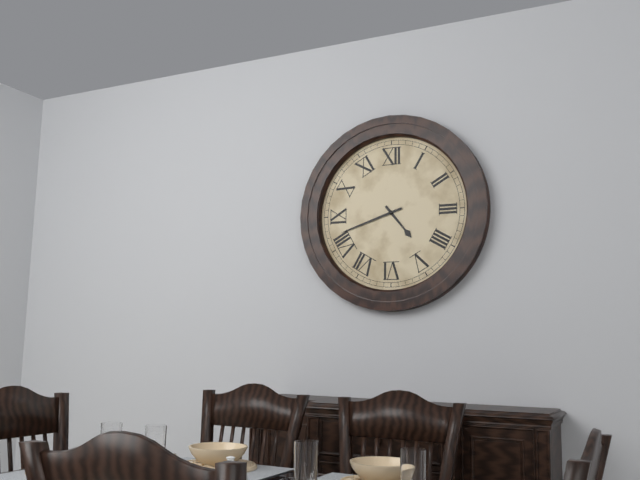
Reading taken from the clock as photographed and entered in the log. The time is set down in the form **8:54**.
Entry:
**4:42**
